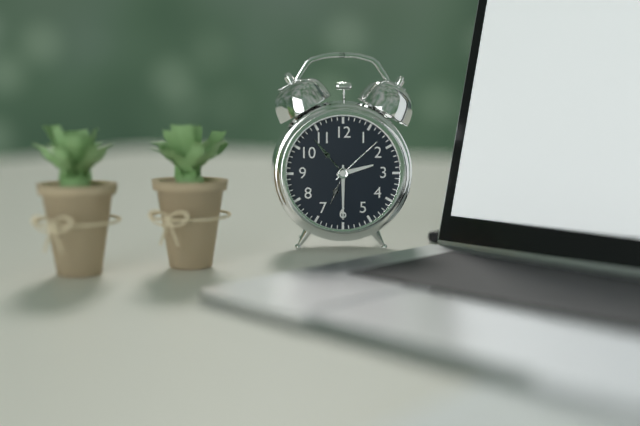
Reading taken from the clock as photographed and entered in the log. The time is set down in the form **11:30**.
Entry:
**2:30**
